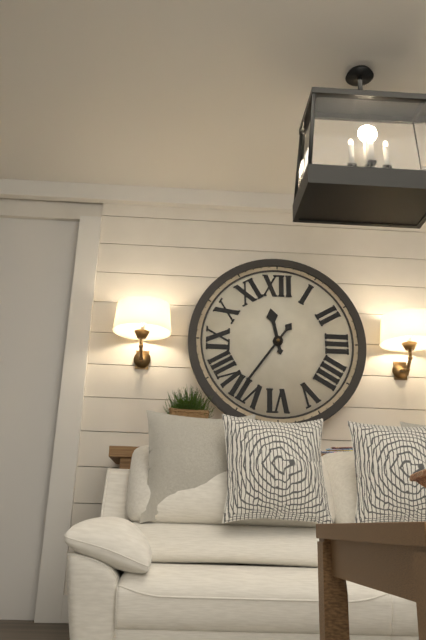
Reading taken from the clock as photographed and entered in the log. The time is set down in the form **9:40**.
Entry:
**11:36**
